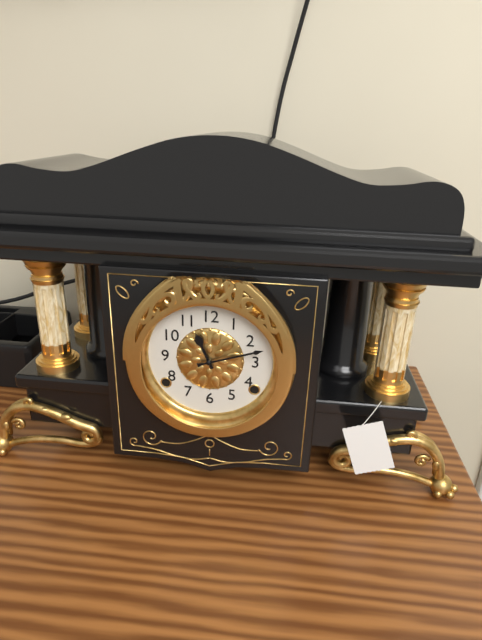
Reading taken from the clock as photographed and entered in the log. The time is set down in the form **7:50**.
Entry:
**11:12**
